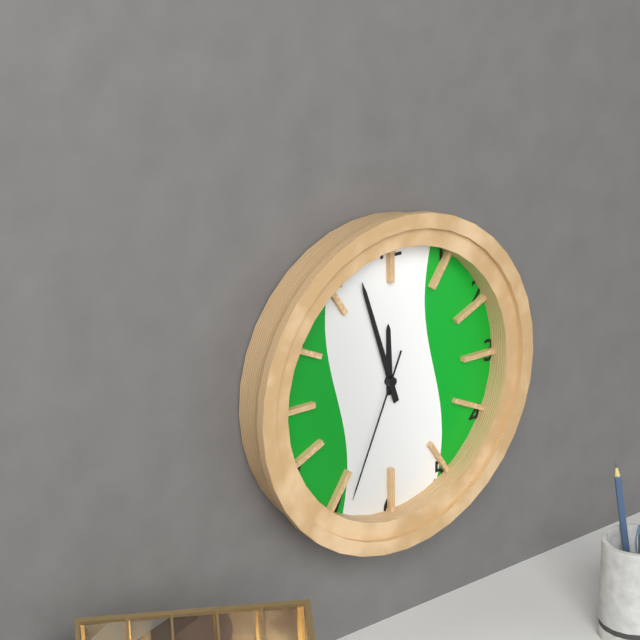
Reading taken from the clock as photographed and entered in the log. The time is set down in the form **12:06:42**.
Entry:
**11:57:34**
